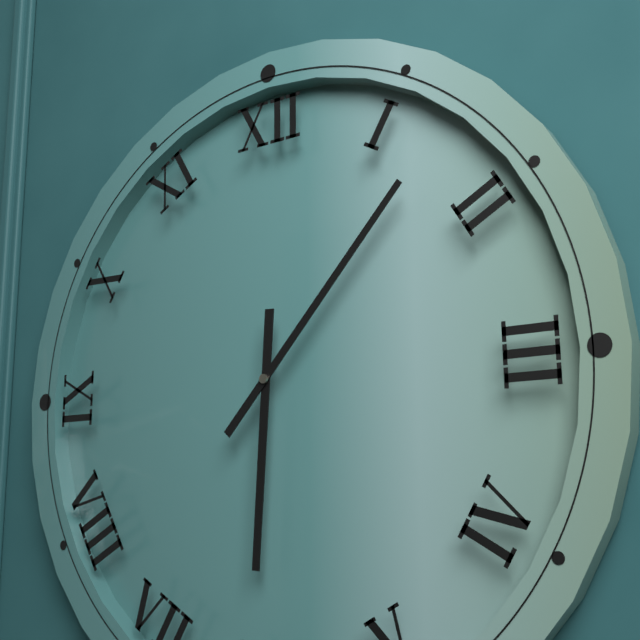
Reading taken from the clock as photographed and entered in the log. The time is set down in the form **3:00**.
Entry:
**6:07**
